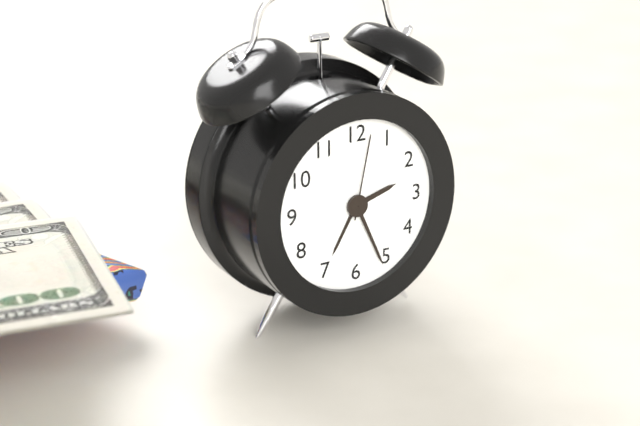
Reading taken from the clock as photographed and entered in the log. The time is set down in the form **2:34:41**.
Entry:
**2:26:02**
